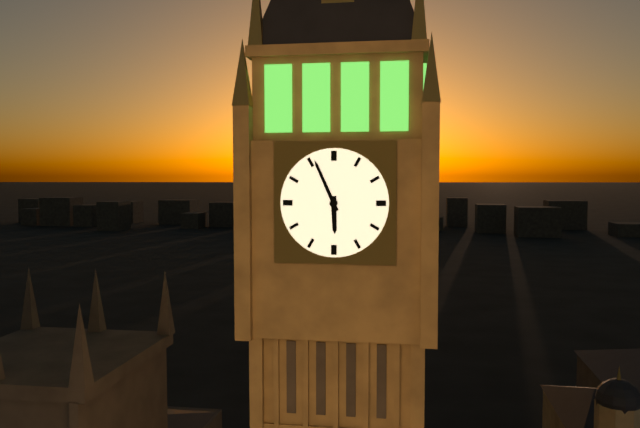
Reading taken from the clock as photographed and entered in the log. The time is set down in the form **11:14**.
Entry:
**5:56**
